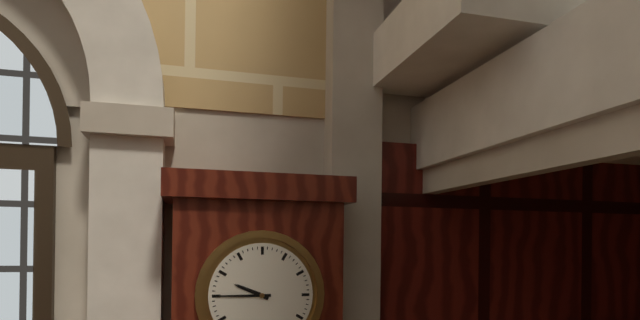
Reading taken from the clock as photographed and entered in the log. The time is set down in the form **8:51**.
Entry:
**9:45**
